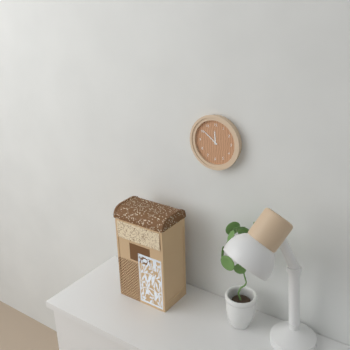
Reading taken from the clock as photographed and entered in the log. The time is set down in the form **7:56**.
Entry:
**11:51**
